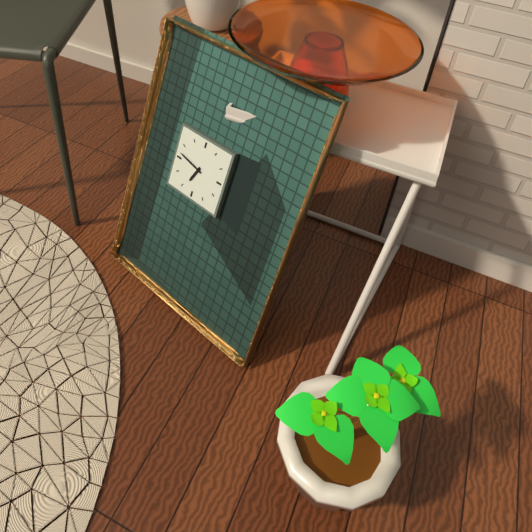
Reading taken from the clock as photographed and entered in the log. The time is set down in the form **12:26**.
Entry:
**6:47**
